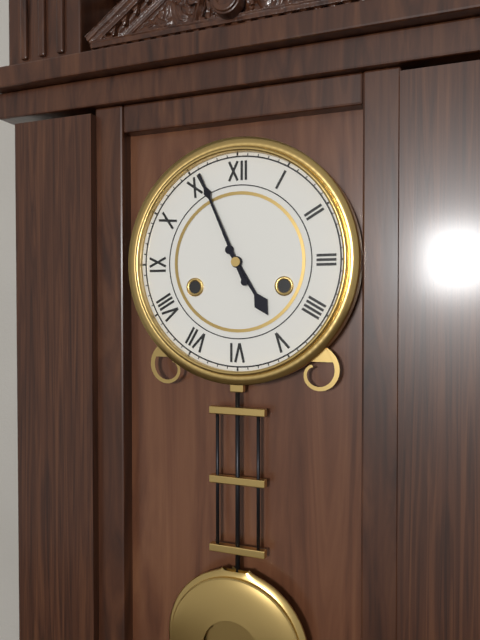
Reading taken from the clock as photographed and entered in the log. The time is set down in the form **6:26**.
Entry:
**4:56**
